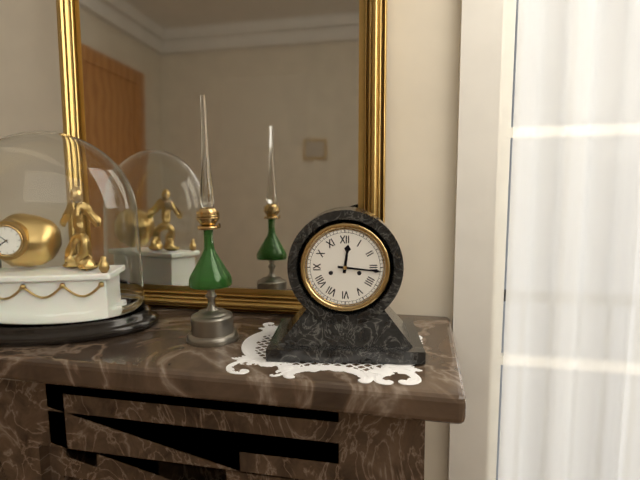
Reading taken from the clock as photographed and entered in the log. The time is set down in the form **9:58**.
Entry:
**12:16**
